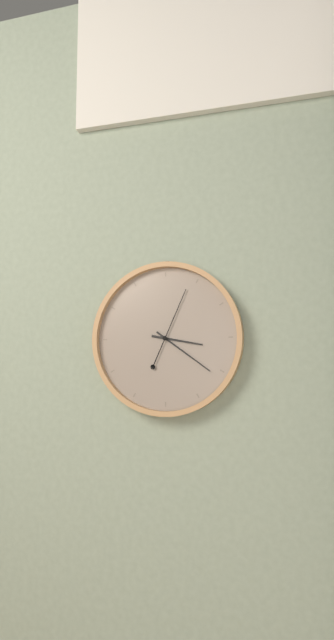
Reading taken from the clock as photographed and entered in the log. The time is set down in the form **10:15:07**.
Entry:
**3:21:04**
